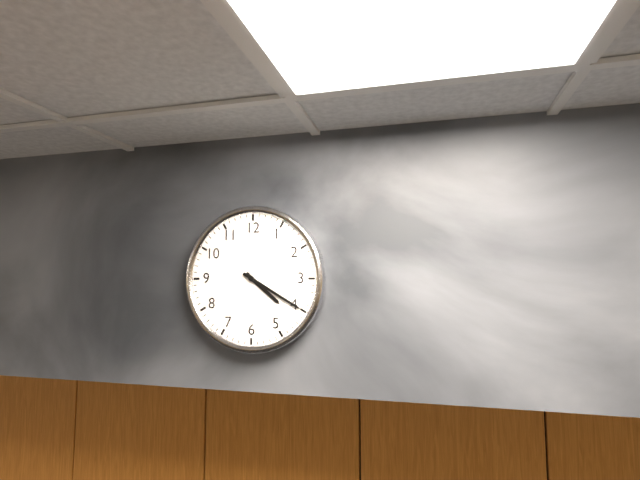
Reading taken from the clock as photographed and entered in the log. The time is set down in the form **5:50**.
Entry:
**4:20**
